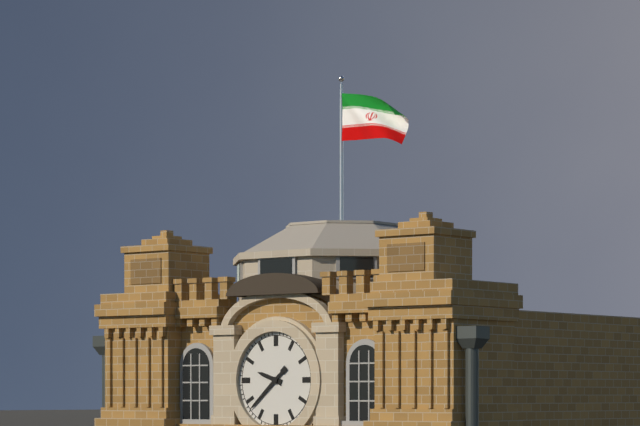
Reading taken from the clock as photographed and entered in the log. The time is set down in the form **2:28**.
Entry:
**9:38**
